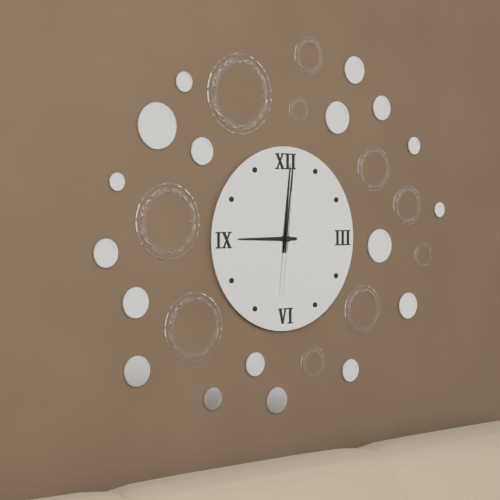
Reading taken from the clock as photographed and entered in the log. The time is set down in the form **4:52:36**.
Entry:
**9:01:31**
